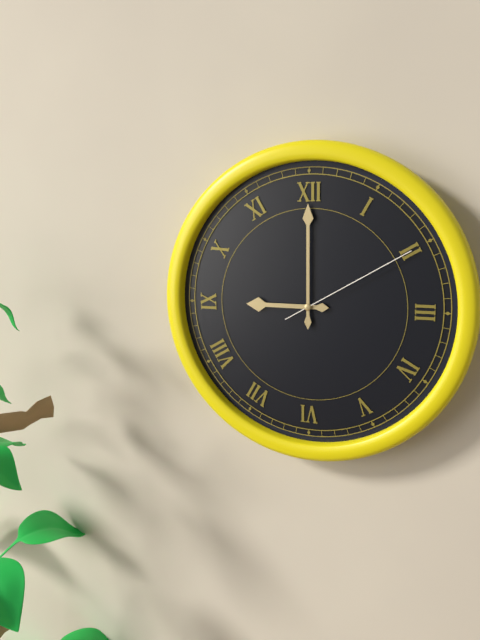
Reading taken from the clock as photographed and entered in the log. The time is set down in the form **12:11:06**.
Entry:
**9:00:10**
